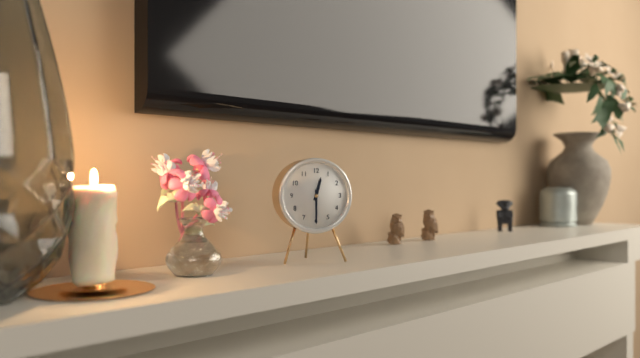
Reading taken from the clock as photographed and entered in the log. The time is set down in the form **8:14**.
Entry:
**12:30**
